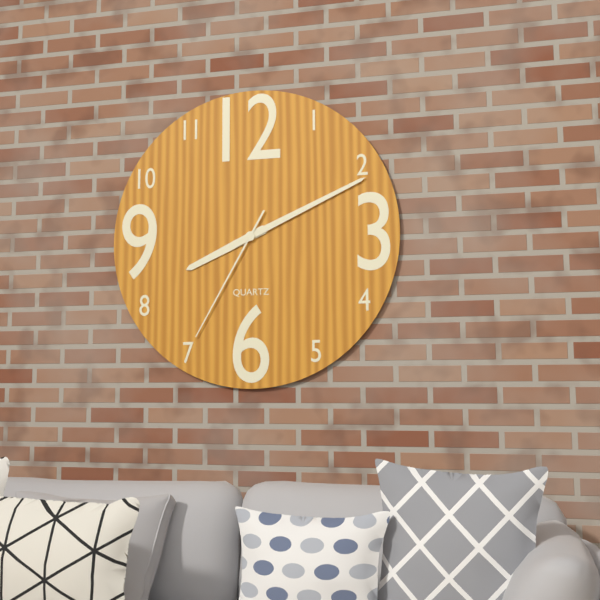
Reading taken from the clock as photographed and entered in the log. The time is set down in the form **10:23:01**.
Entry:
**8:11:35**
